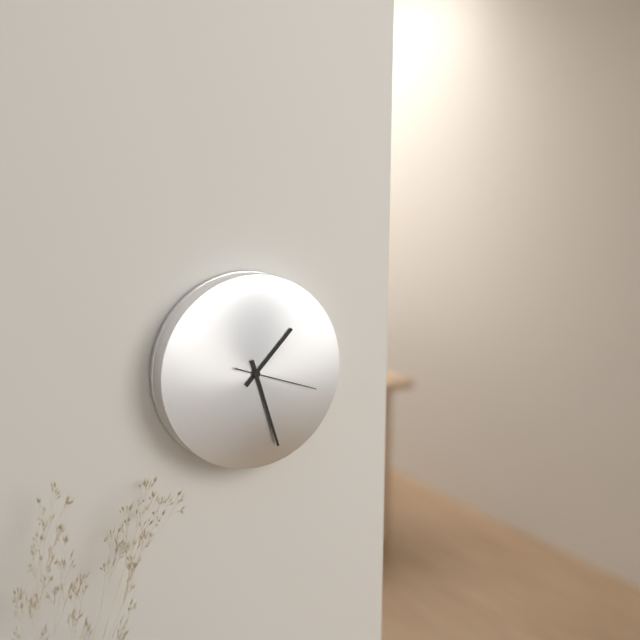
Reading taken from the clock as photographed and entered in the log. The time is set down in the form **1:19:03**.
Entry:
**1:27:18**
